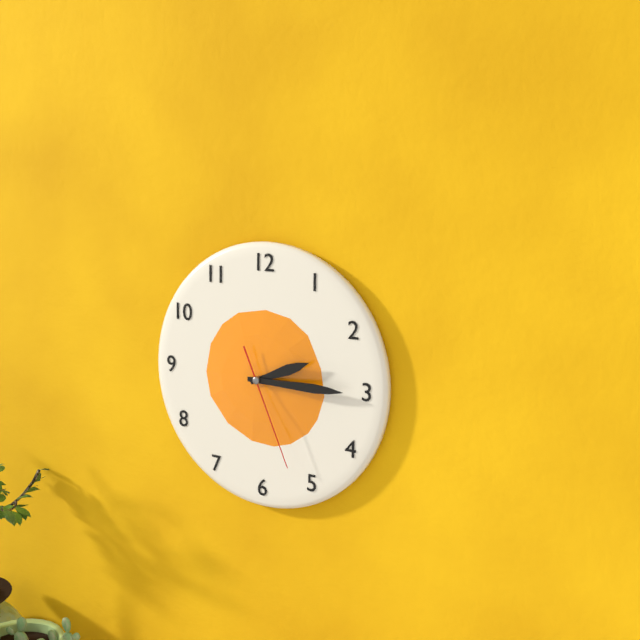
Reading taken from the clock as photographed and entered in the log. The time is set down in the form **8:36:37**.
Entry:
**2:15:26**
